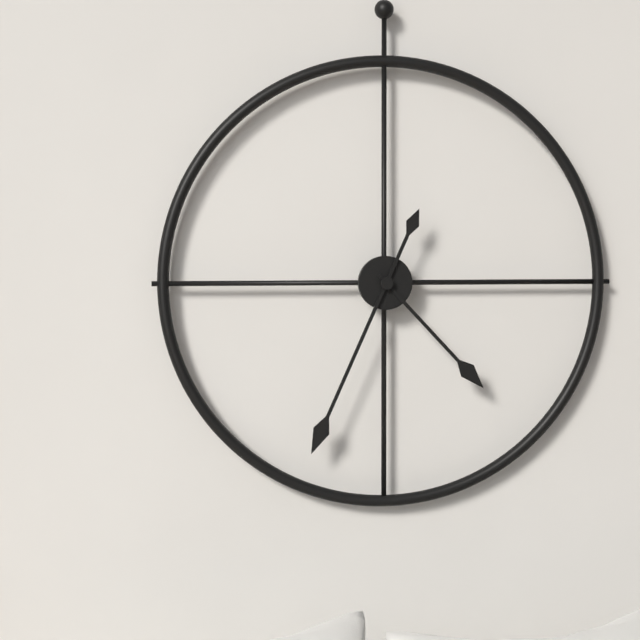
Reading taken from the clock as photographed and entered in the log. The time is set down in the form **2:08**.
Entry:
**4:34**
